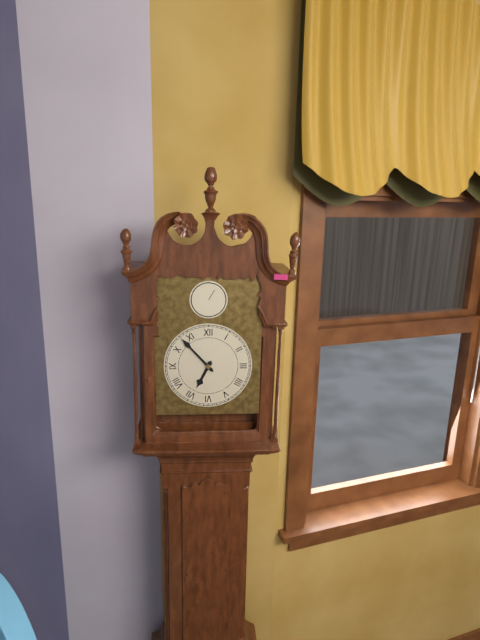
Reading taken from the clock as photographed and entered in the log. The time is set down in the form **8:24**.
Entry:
**6:53**
